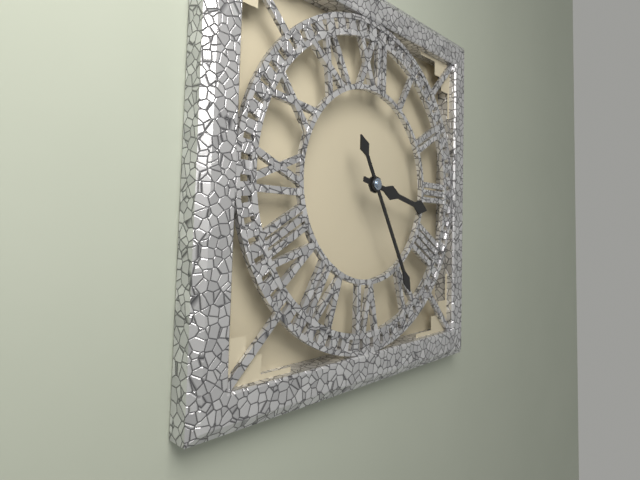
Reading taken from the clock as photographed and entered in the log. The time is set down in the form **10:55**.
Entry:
**3:25**
